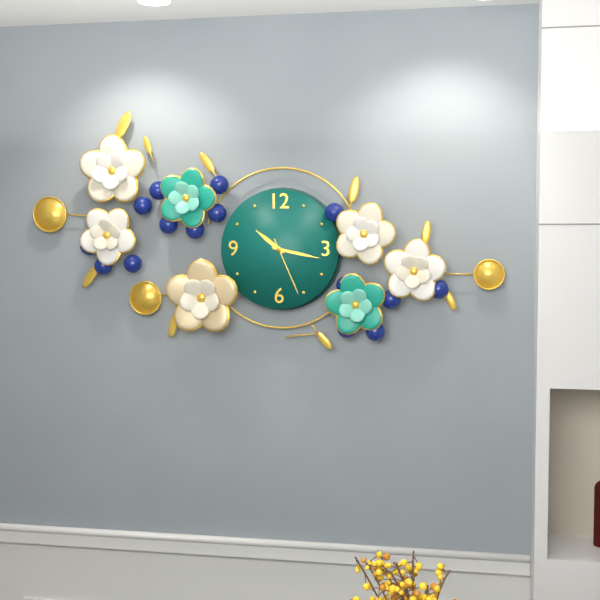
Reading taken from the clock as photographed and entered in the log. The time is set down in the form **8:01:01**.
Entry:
**10:17:26**
